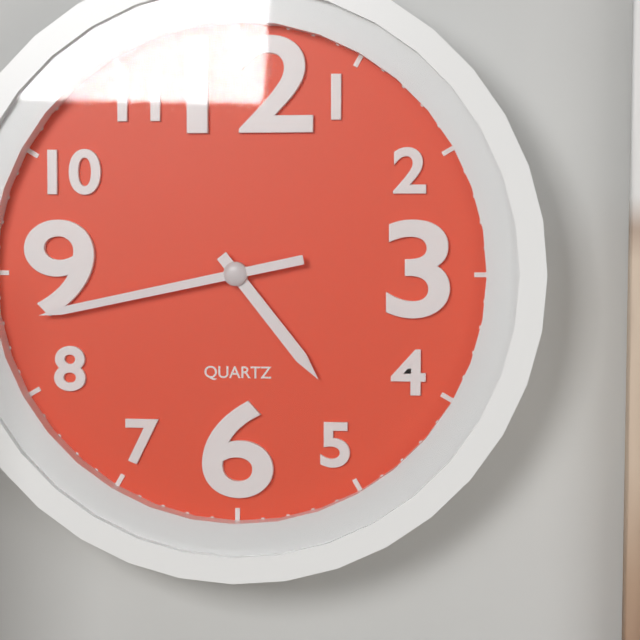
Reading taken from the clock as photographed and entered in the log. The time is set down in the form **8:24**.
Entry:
**4:43**
